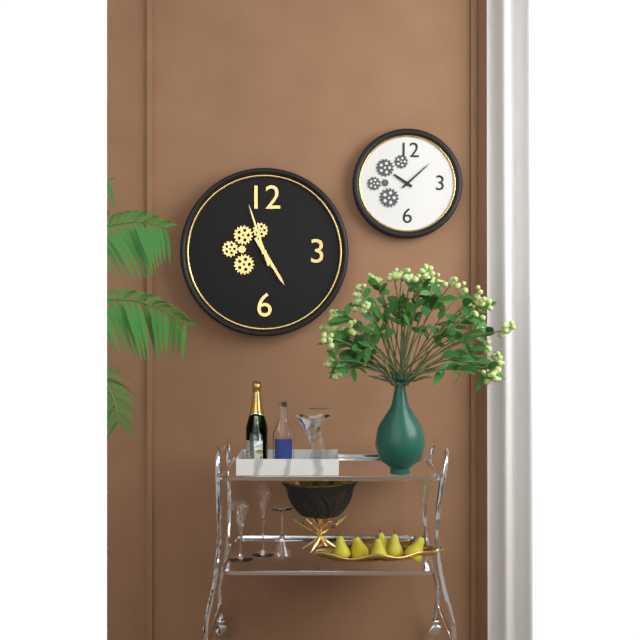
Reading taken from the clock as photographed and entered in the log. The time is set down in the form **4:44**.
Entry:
**4:57**
